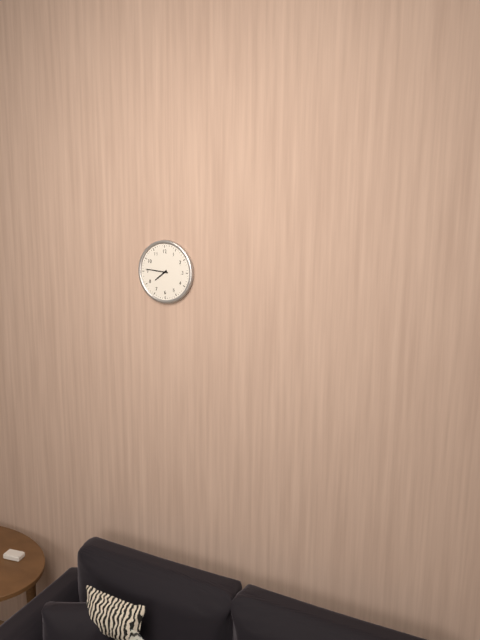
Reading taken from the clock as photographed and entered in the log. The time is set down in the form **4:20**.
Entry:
**7:46**
